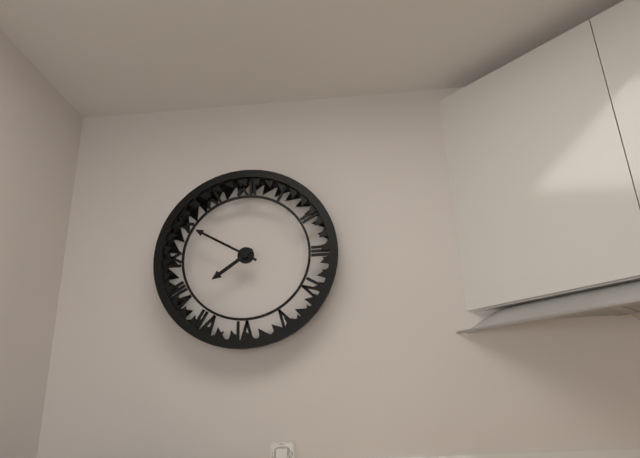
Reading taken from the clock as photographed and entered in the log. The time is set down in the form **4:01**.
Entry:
**7:50**
